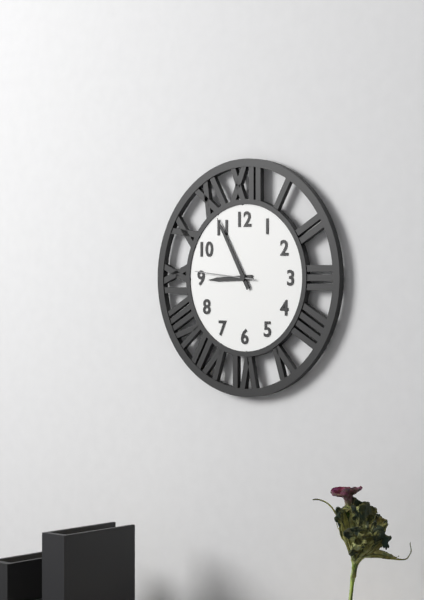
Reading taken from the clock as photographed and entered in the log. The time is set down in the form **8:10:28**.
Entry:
**8:55:46**
